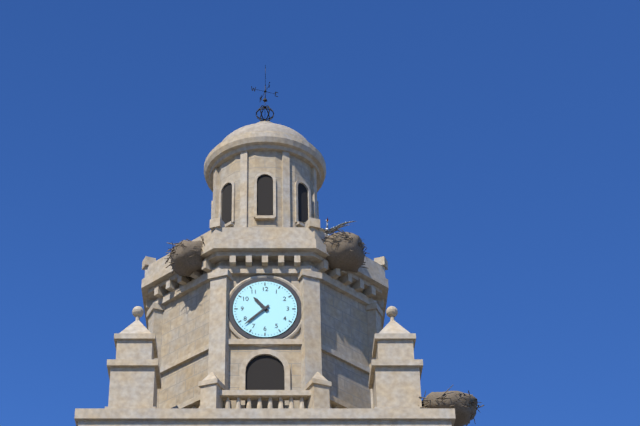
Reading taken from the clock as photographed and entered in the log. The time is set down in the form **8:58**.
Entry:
**10:38**
